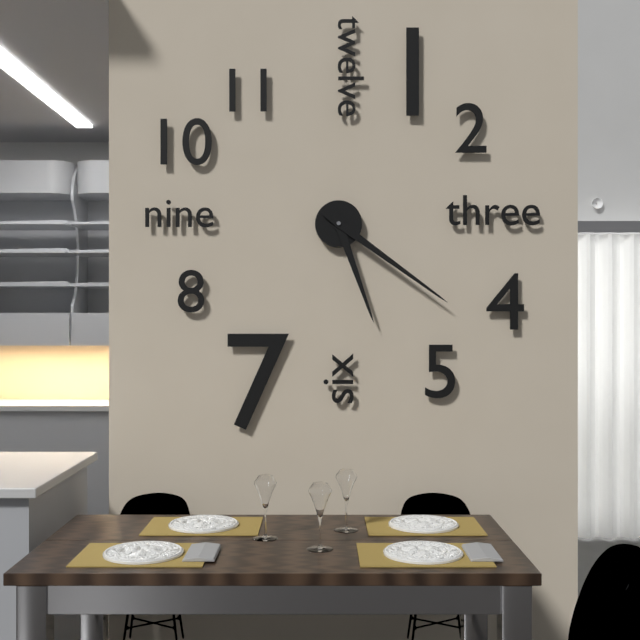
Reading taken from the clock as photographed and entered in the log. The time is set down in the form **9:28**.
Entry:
**5:21**
